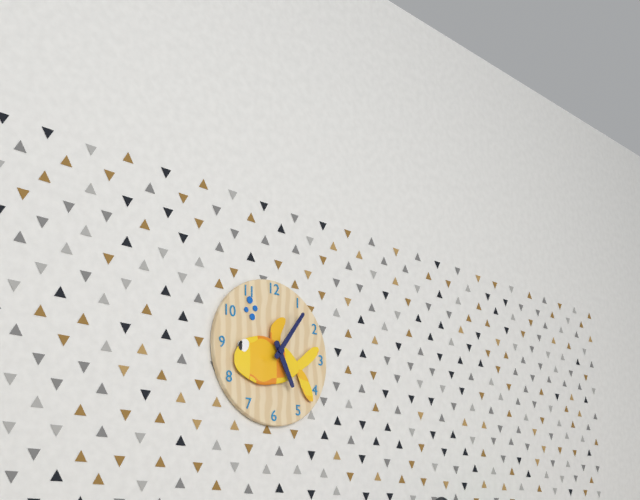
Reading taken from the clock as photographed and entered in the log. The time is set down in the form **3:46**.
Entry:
**5:06**
